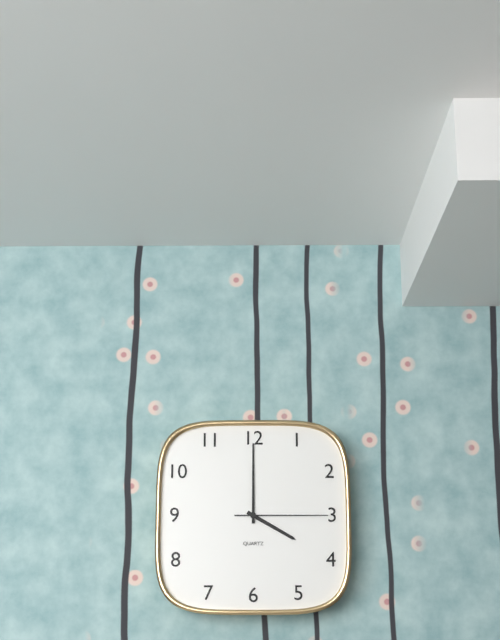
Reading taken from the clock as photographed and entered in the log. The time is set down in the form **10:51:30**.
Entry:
**4:00:15**
